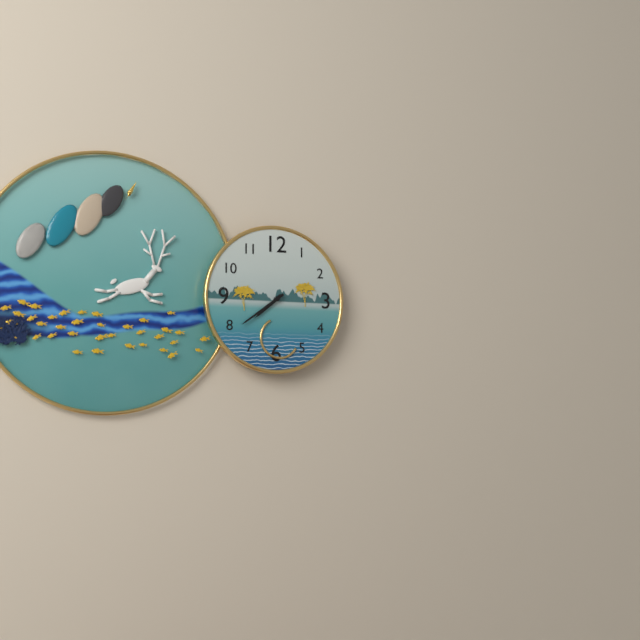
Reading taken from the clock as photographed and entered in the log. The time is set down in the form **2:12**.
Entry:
**7:39**
